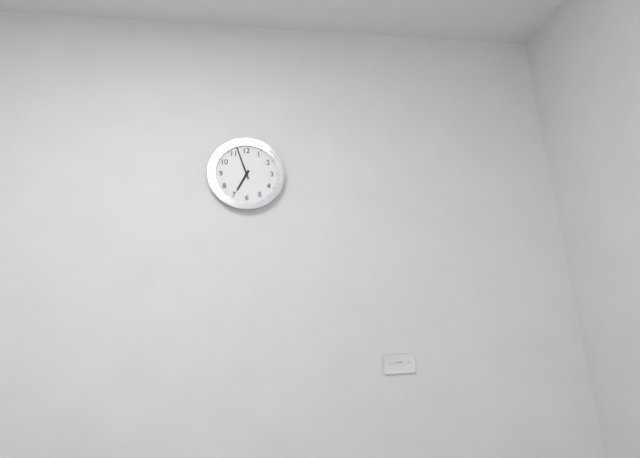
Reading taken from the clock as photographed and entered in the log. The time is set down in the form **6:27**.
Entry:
**6:57**
